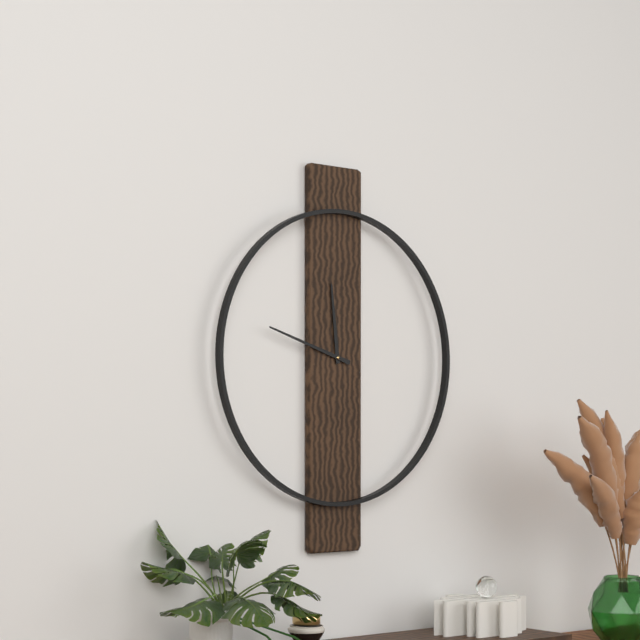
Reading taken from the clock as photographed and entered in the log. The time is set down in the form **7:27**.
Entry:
**11:48**
